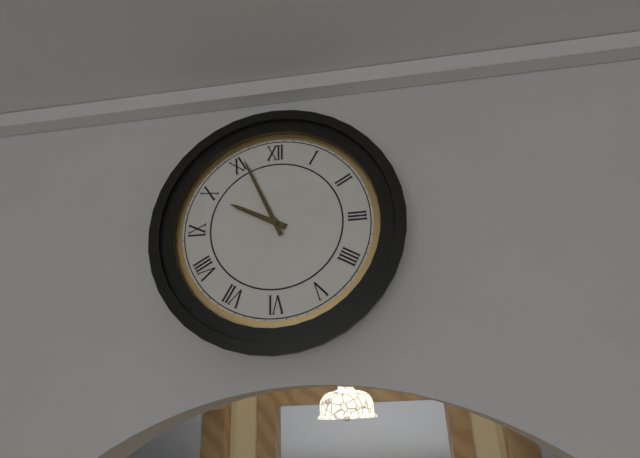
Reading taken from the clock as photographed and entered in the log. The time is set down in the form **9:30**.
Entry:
**9:56**
